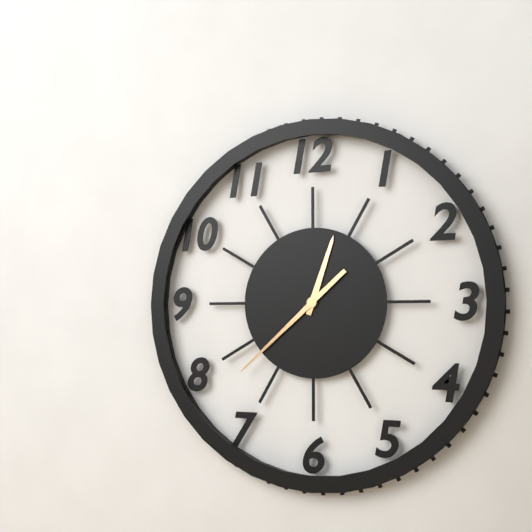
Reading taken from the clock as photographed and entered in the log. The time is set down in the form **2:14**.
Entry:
**12:38**
